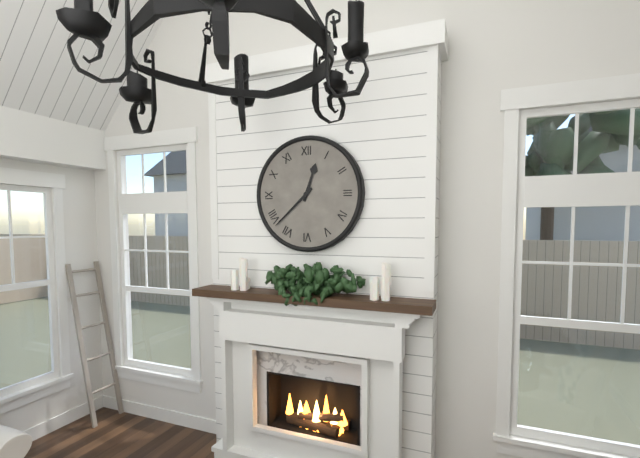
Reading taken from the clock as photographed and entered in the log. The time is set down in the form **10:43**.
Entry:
**12:38**
